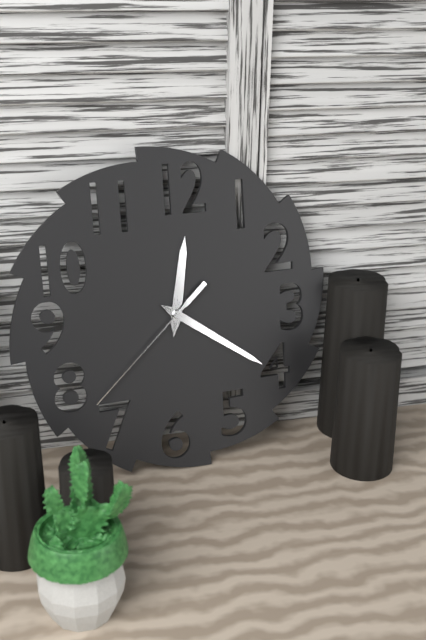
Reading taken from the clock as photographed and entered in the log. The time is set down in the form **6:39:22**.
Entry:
**12:21:38**
